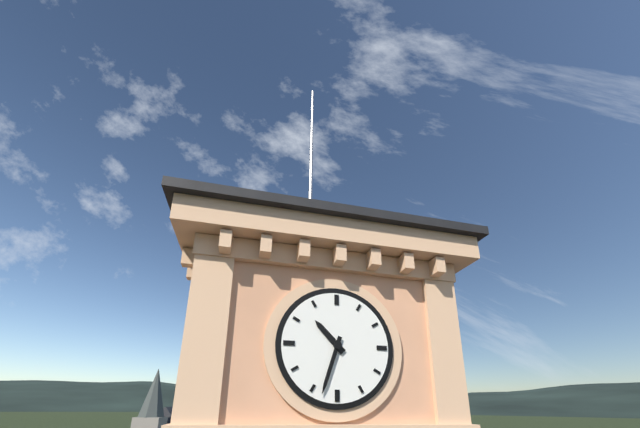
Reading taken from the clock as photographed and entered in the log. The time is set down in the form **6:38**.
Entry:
**10:33**
